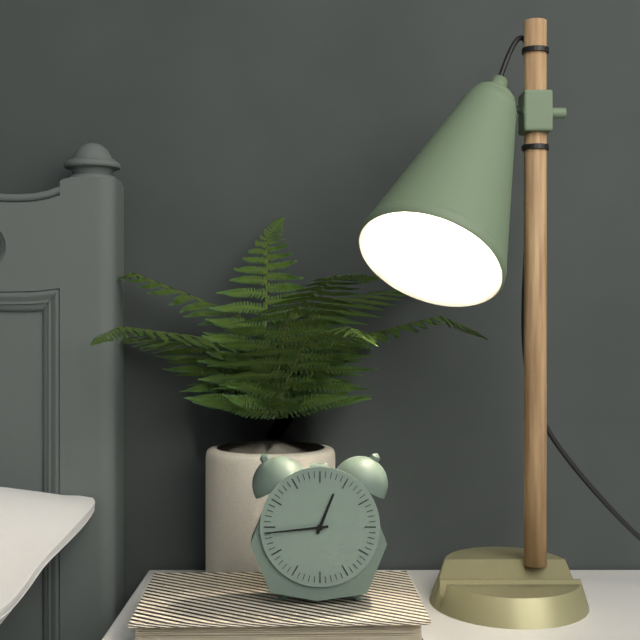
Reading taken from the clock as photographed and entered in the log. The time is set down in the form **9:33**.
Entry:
**12:44**
